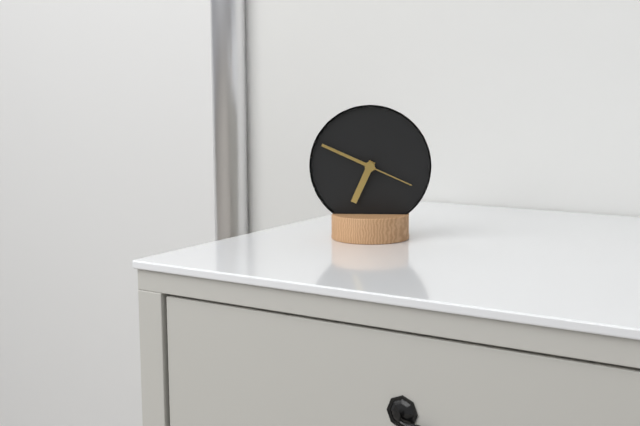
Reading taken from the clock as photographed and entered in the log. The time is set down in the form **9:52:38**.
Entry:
**6:49:19**
